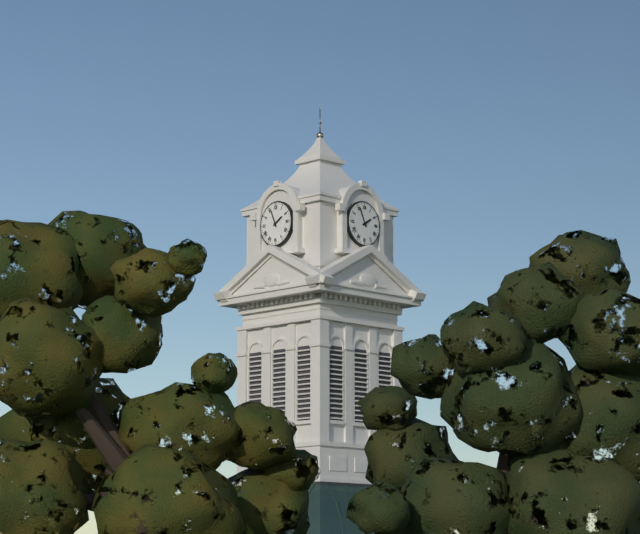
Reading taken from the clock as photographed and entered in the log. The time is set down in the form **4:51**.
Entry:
**1:56**
